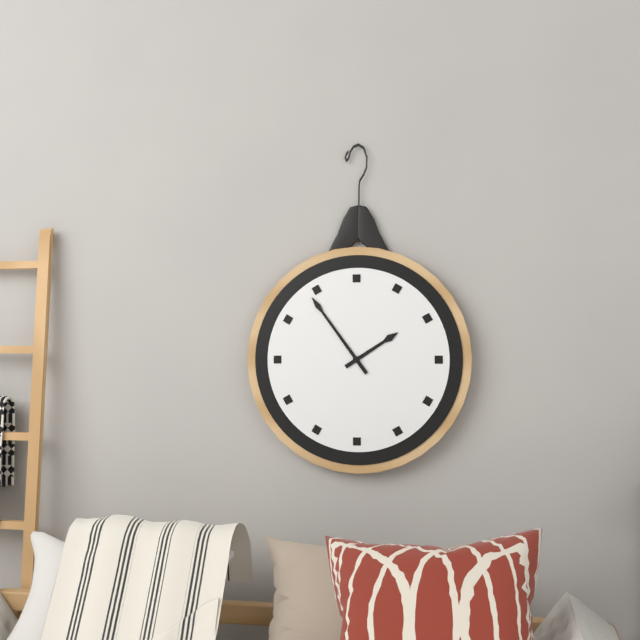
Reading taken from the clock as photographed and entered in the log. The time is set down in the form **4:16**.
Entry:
**1:54**
